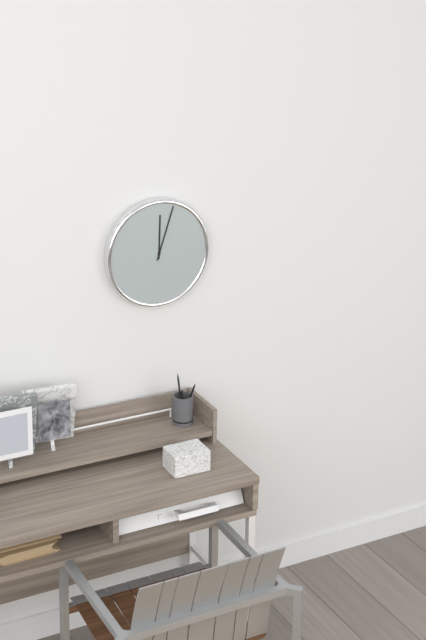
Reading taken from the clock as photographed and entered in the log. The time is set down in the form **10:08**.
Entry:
**12:03**
